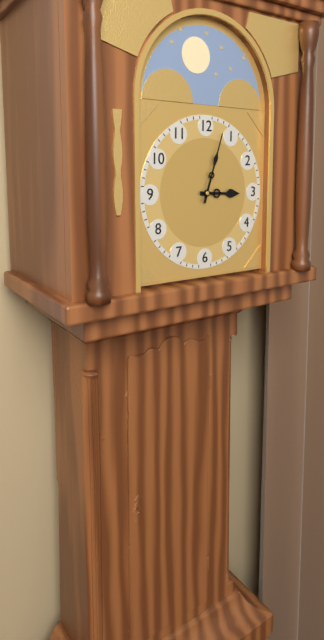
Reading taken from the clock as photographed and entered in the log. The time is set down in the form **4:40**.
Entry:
**3:03**
